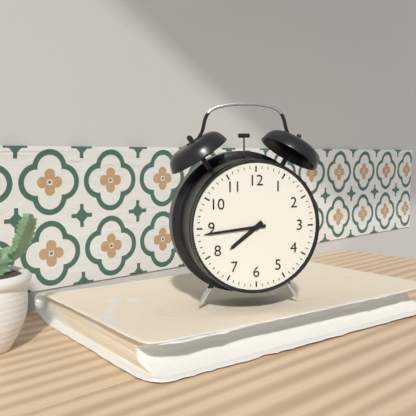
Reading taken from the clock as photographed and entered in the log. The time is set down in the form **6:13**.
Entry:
**7:44**
